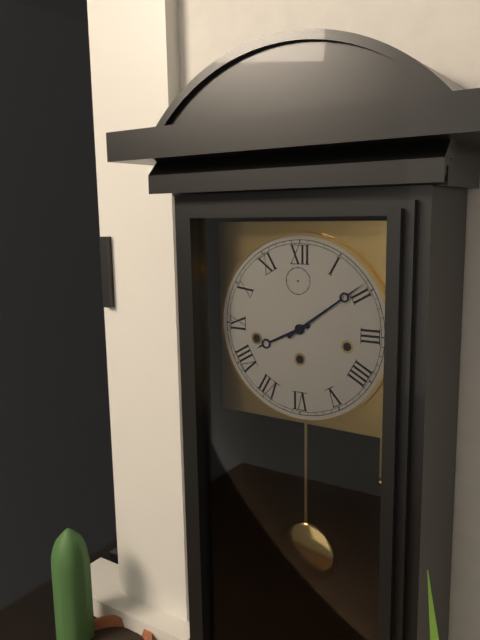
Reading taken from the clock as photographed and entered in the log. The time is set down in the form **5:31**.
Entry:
**8:09**
